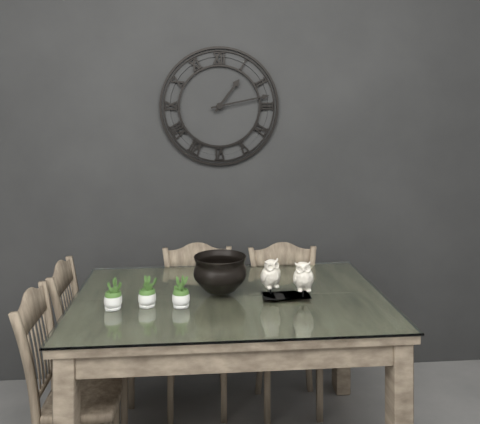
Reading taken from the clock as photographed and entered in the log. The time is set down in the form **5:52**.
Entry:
**1:13**
